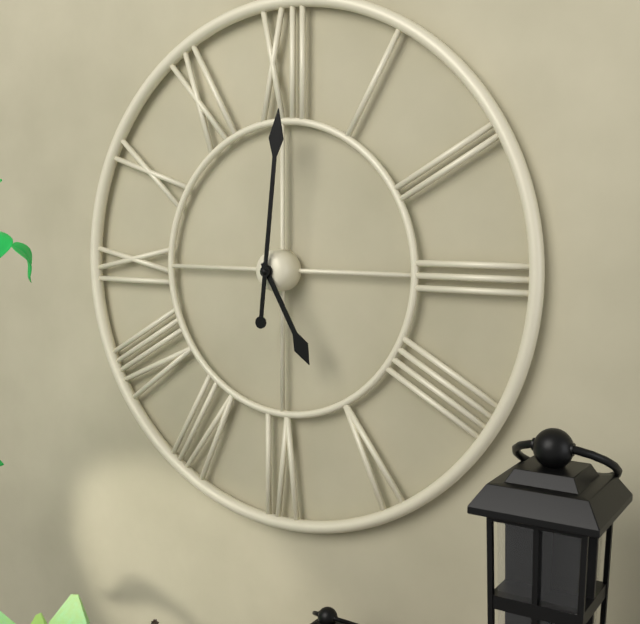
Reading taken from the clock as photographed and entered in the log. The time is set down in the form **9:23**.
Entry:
**5:01**
